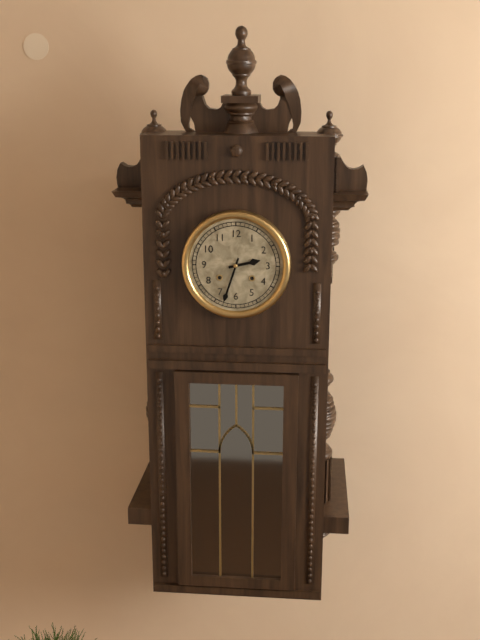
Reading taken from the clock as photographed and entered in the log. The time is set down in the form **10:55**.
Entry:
**2:33**
